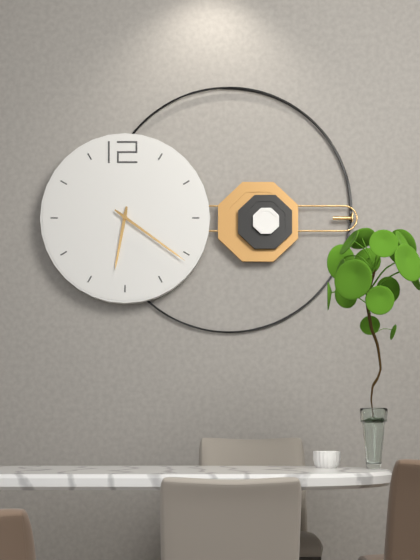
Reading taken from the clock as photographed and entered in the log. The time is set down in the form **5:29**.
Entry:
**6:21**
